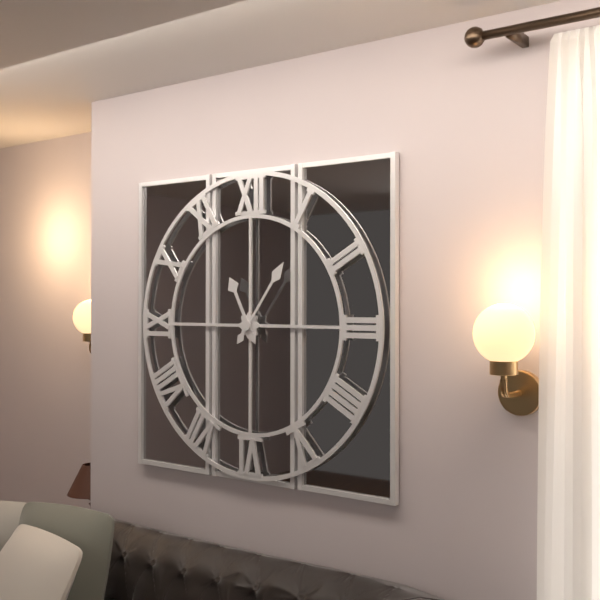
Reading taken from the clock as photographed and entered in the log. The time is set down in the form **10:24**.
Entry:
**11:06**
